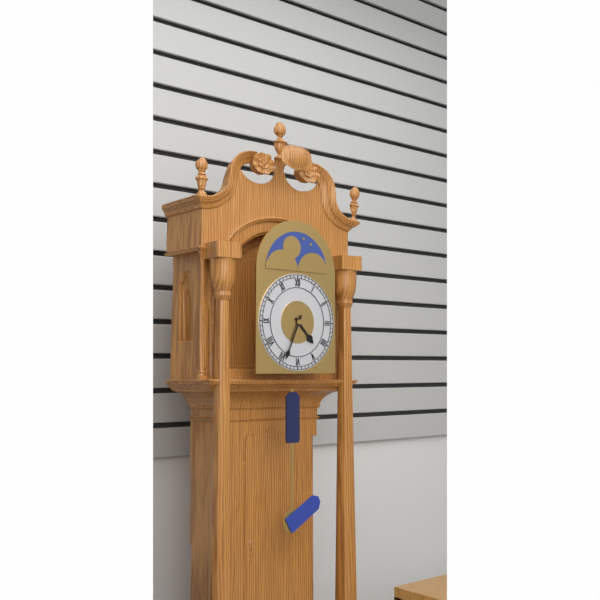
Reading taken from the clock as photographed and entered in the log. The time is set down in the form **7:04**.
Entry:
**4:34**
